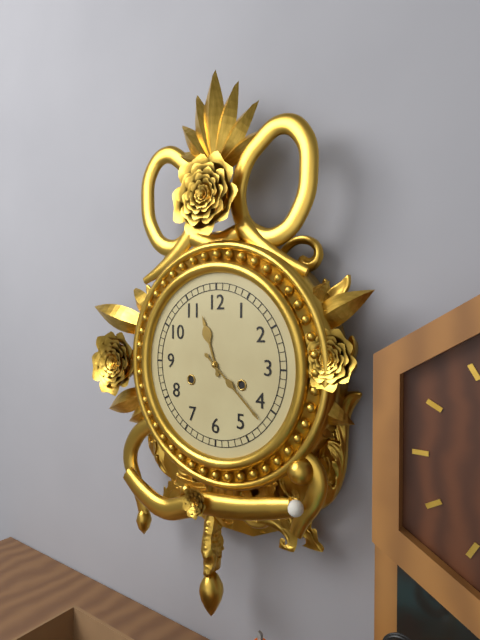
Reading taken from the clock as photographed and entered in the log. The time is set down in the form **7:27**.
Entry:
**11:22**
